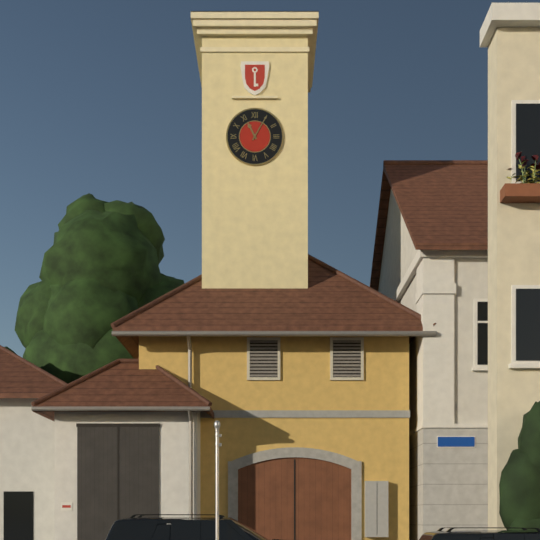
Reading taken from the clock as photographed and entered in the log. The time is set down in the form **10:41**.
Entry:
**11:05**
